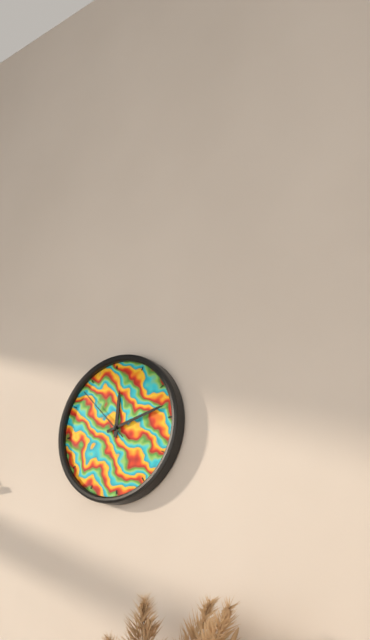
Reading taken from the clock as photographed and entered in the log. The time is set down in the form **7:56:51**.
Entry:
**12:13:53**
